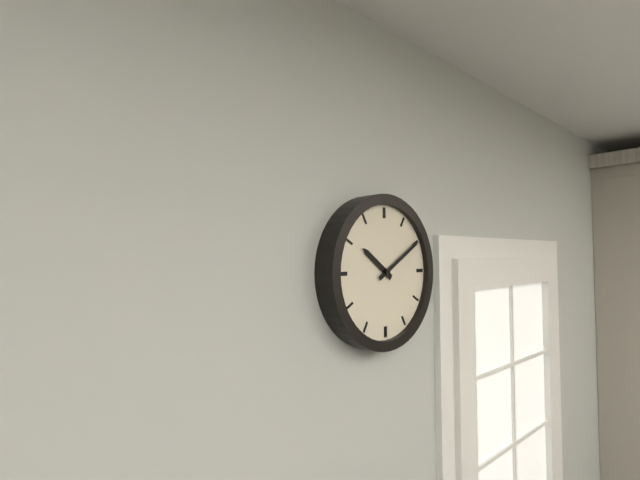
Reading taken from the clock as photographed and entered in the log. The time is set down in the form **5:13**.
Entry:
**10:10**
